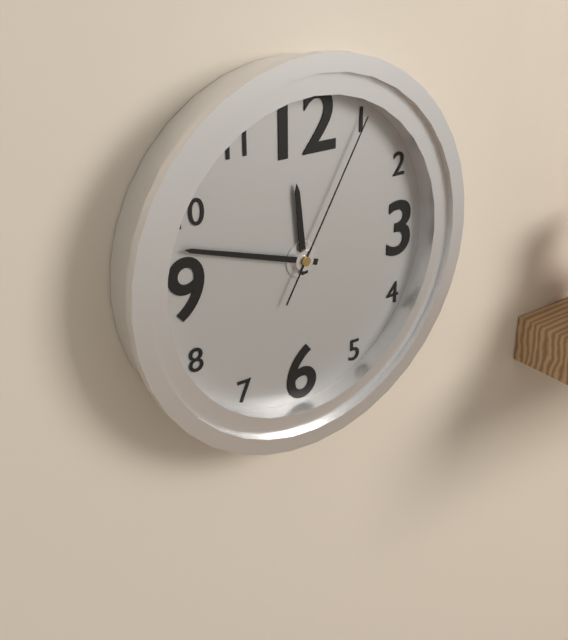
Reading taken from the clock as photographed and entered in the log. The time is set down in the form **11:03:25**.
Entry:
**11:48:05**
